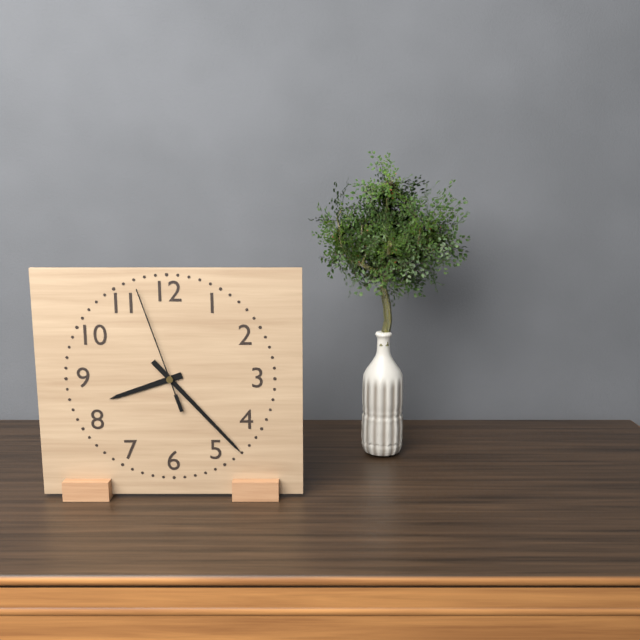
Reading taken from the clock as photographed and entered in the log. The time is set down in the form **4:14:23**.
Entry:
**8:23:57**
